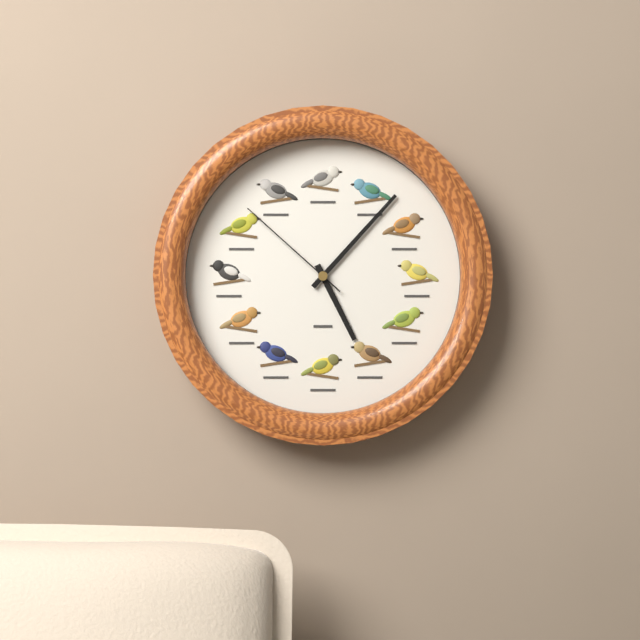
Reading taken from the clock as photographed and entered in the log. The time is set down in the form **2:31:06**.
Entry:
**5:07:52**
